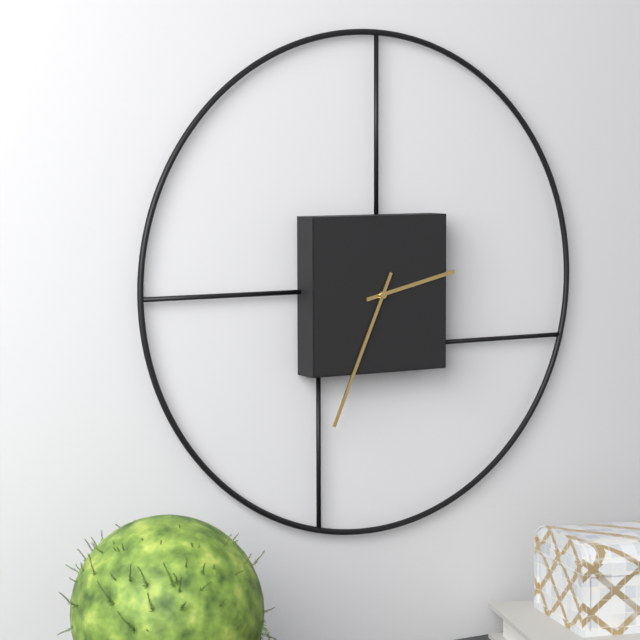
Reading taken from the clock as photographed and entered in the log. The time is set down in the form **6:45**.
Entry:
**2:34**
